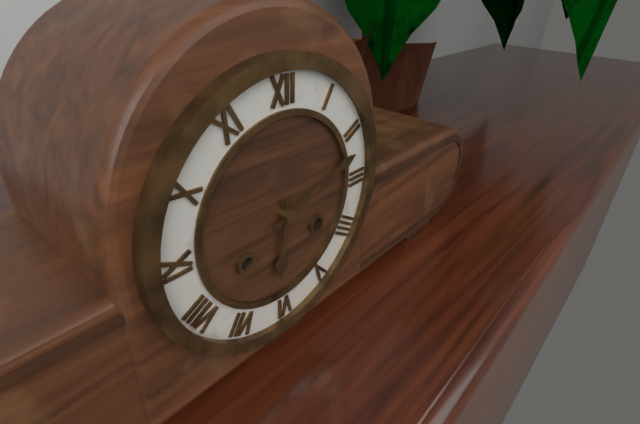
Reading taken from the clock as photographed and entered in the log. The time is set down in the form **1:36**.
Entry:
**6:12**
